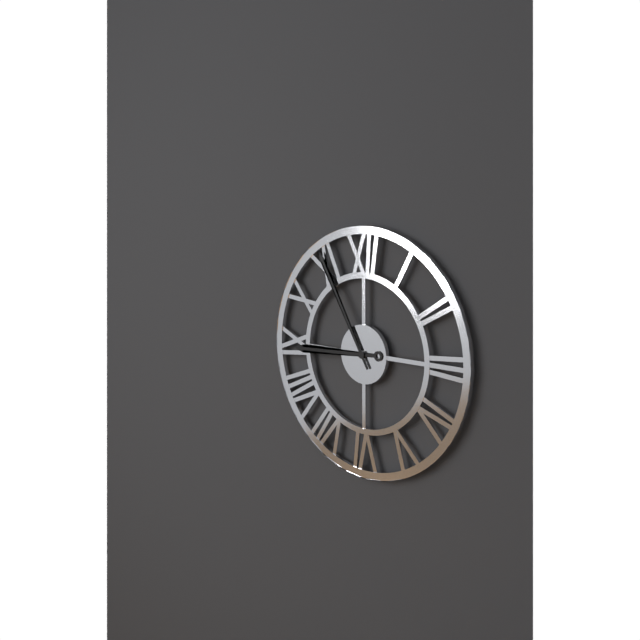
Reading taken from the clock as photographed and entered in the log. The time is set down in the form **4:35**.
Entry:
**8:55**
